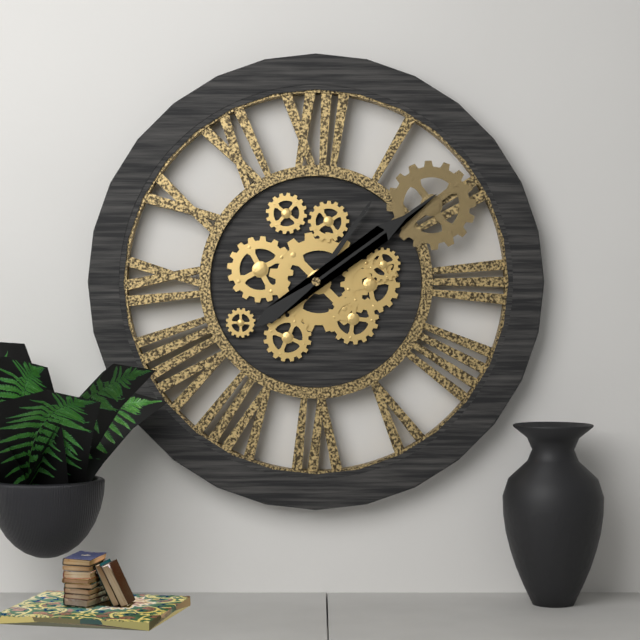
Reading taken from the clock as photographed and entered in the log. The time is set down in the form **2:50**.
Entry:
**1:09**
